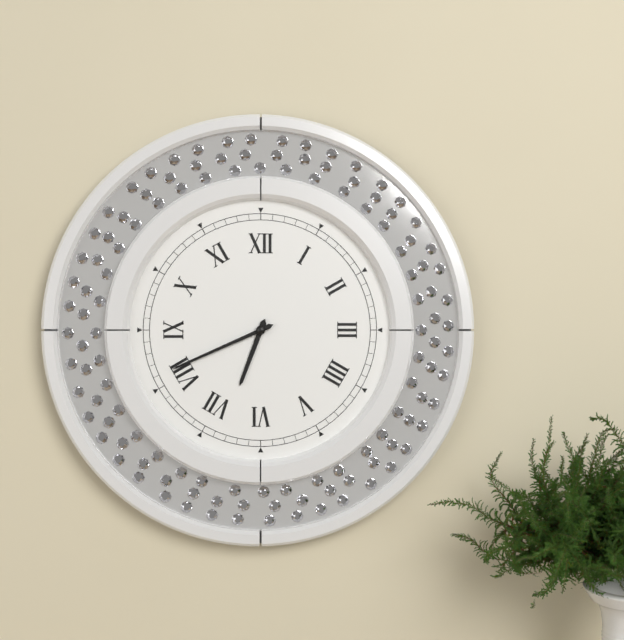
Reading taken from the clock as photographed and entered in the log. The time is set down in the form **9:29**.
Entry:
**6:41**
